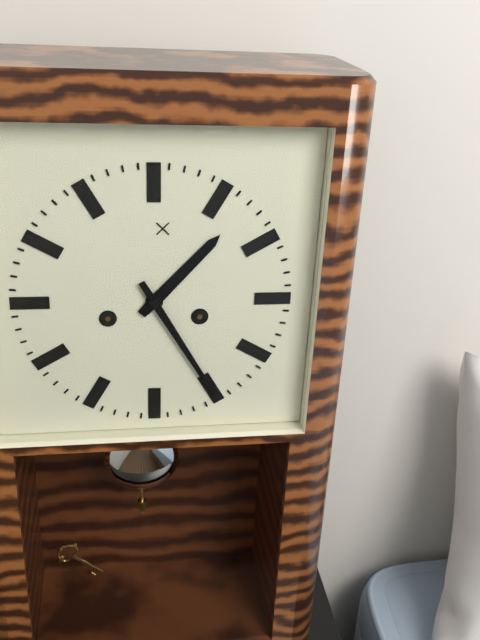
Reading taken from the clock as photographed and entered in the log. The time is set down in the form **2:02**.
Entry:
**1:25**
